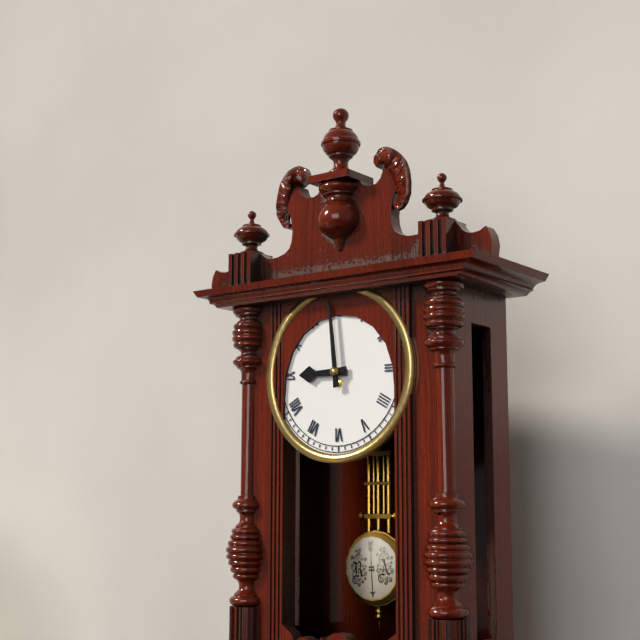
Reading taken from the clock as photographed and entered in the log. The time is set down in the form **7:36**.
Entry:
**8:59**
